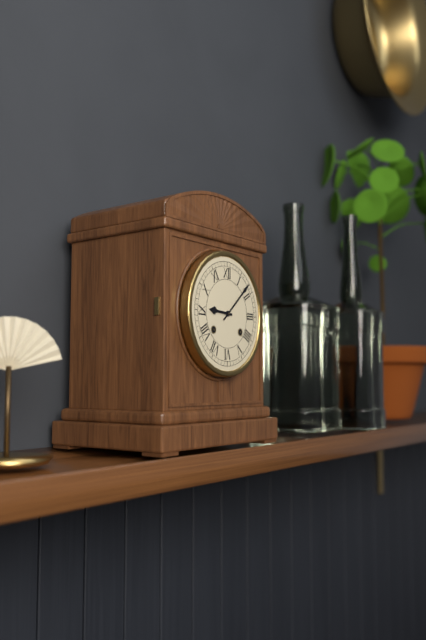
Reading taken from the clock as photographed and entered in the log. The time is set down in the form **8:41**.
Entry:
**9:08**
